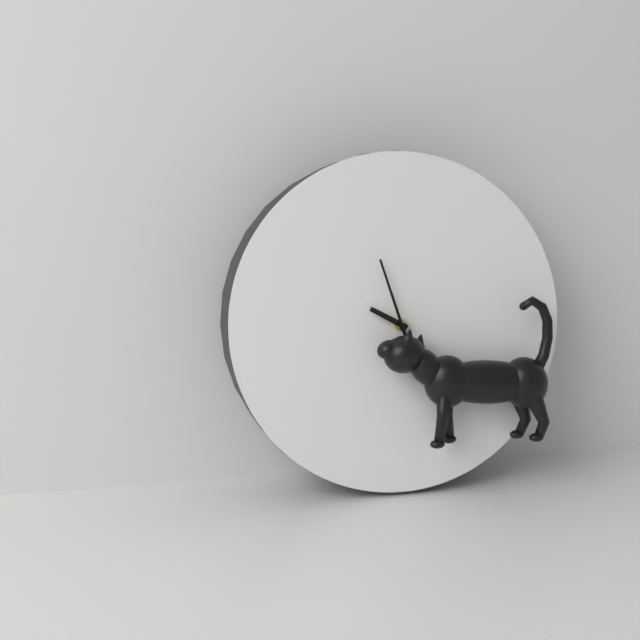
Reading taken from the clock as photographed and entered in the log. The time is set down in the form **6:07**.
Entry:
**9:57**
